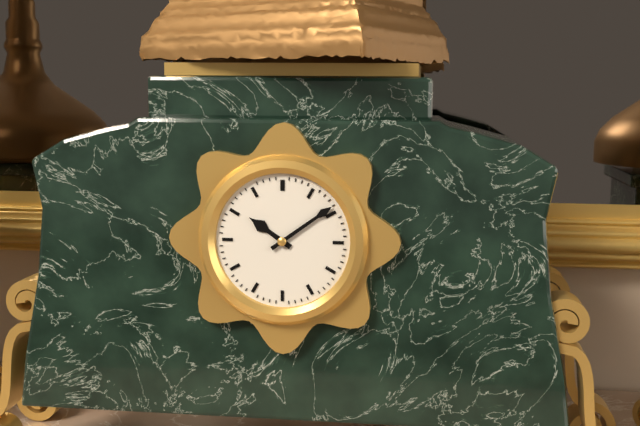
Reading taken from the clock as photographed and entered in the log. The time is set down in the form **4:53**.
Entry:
**10:09**
